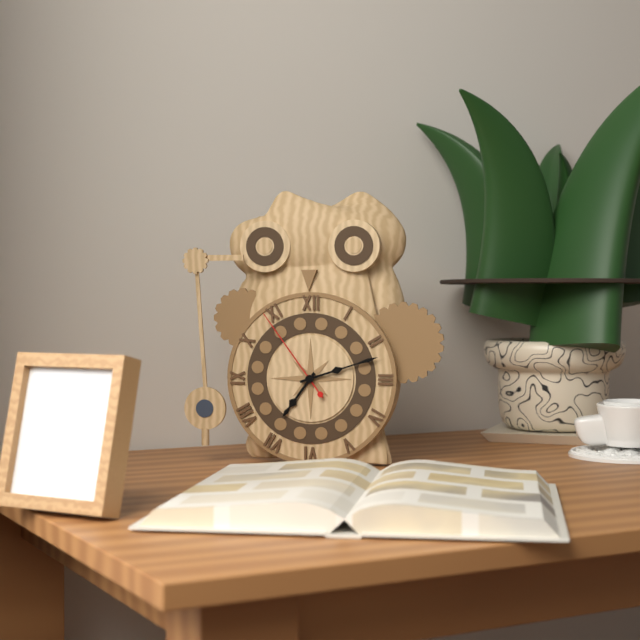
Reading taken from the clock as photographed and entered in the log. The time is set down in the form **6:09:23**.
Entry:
**7:12:54**
